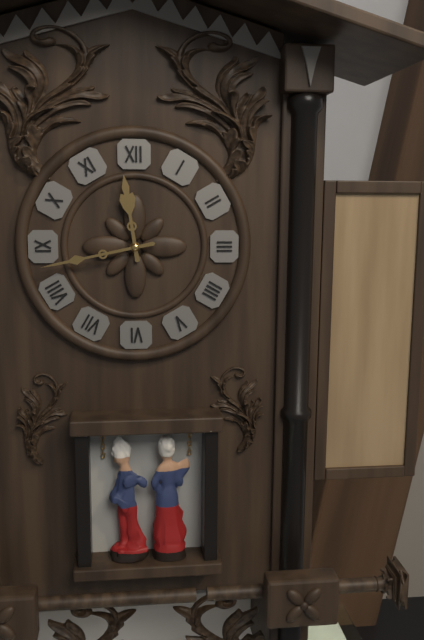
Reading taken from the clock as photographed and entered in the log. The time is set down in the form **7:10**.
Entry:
**11:43**
